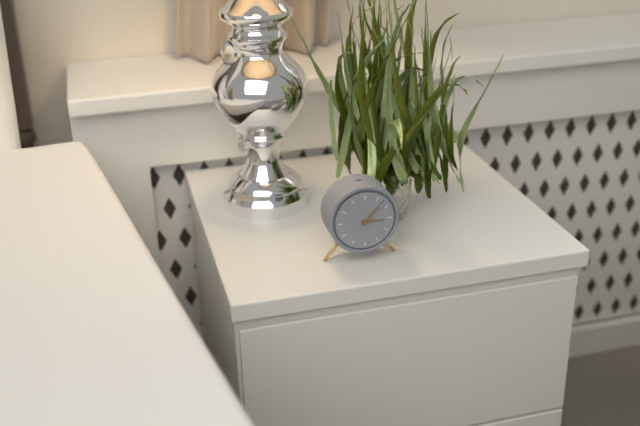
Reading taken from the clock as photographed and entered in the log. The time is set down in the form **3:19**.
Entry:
**3:07**
